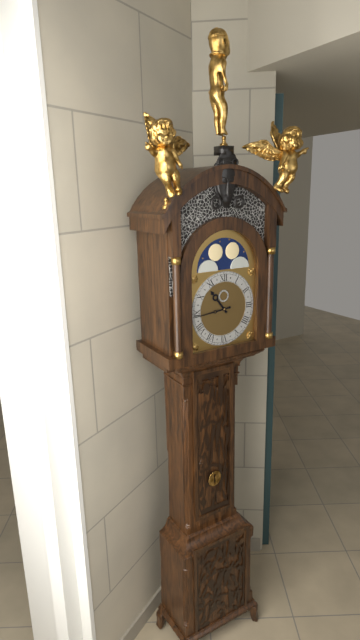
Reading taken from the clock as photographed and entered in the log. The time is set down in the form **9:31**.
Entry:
**10:44**
